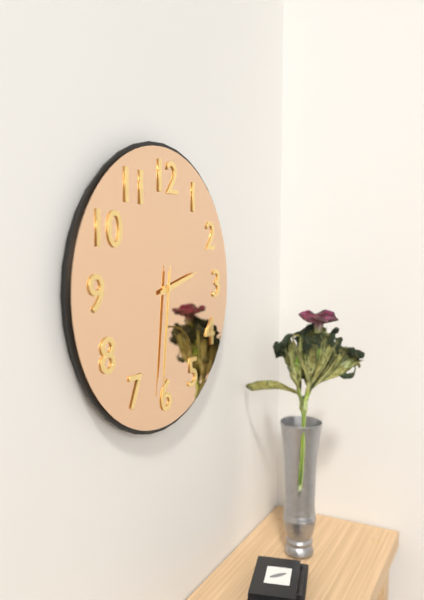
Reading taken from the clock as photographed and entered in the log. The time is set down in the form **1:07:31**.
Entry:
**2:31:31**
